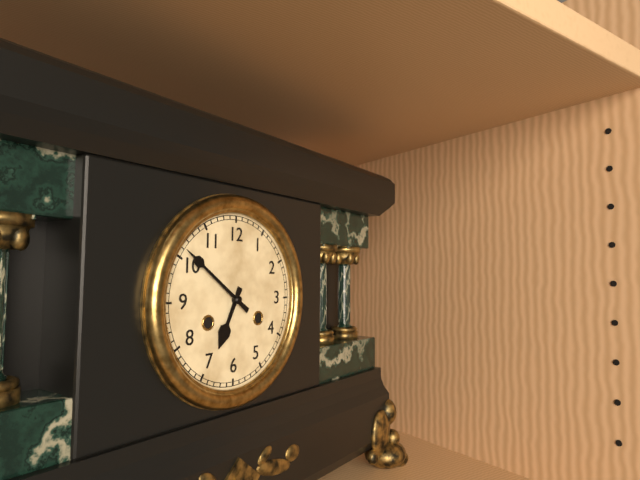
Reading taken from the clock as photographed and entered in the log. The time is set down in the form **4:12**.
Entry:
**6:51**
